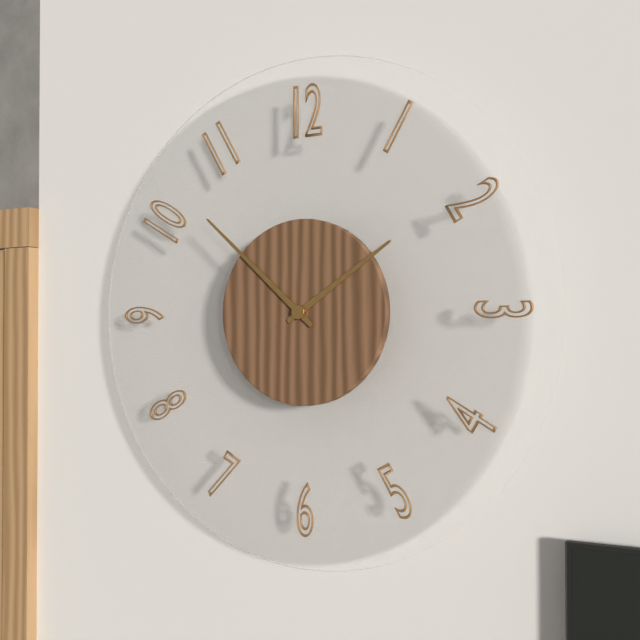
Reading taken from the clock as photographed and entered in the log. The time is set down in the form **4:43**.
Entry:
**1:52**
